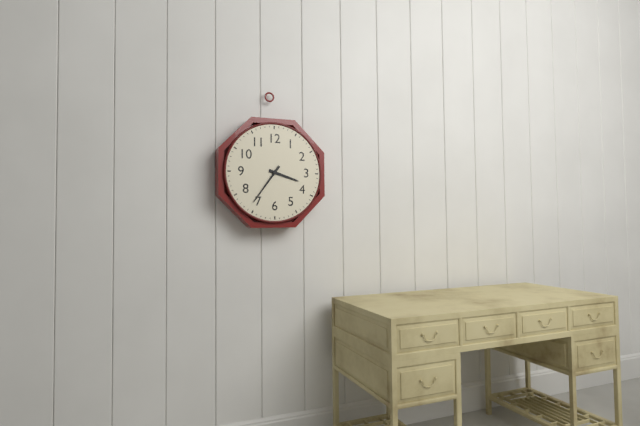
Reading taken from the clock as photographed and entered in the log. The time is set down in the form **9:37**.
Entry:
**3:36**
